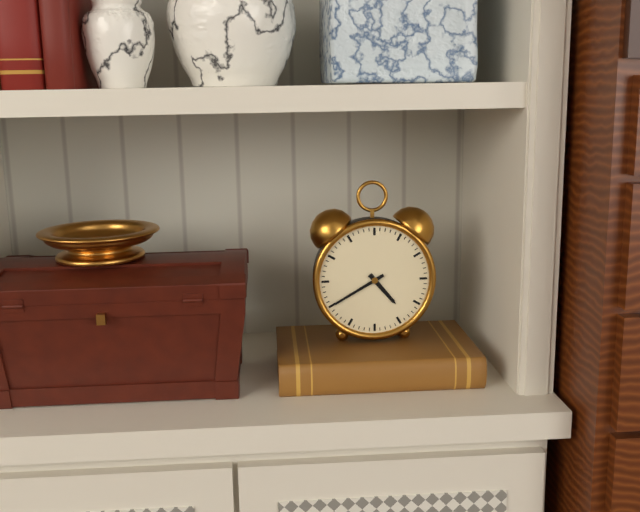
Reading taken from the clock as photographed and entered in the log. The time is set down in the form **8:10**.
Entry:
**4:40**
